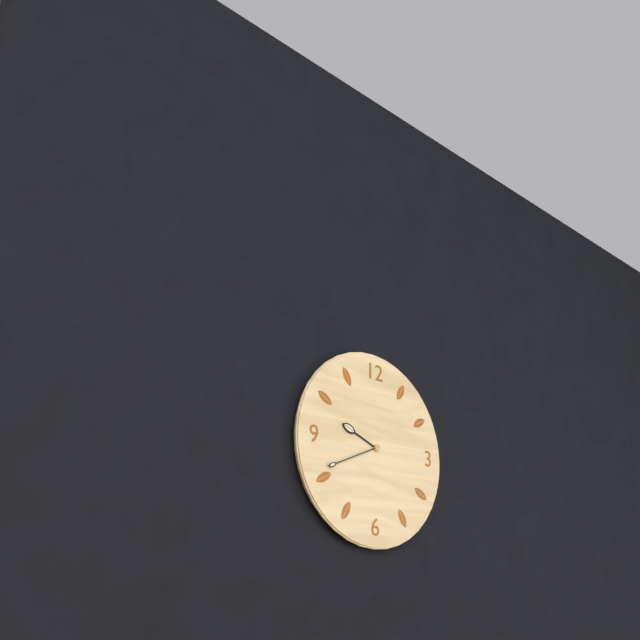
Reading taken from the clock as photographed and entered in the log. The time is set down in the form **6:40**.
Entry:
**9:41**
